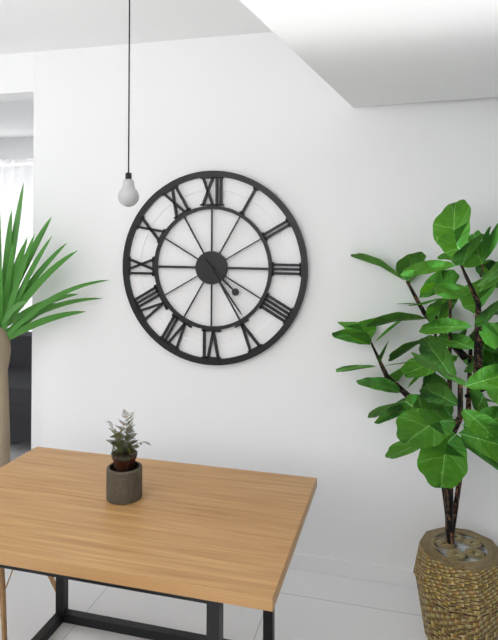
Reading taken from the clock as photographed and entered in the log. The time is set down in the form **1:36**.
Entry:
**4:24**
